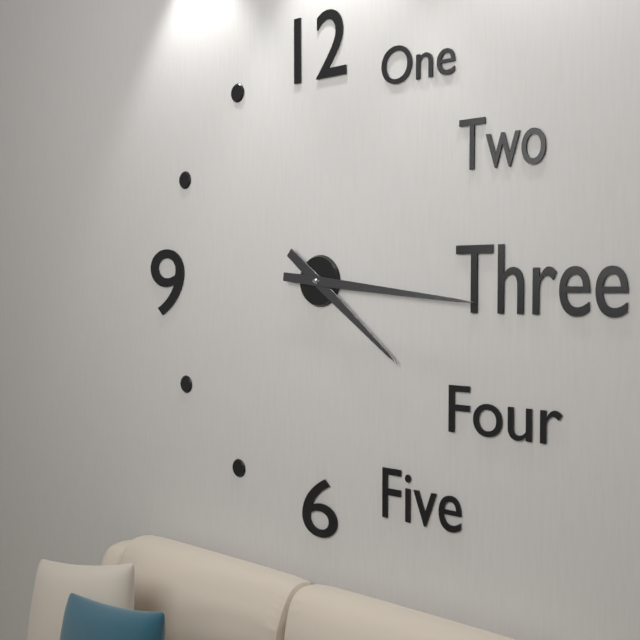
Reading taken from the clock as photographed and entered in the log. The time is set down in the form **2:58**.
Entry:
**4:16**
